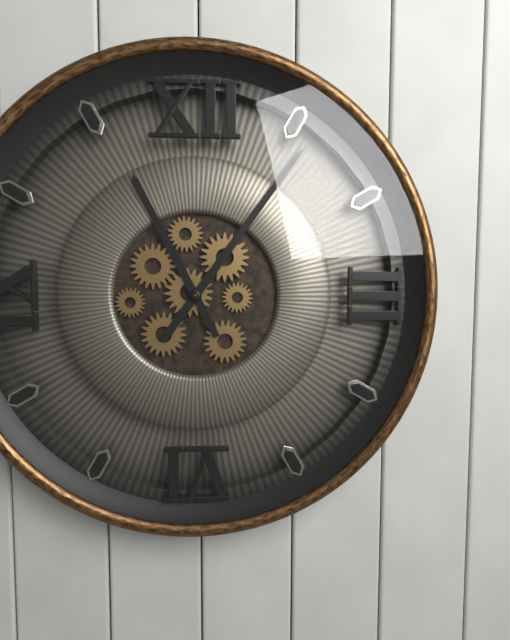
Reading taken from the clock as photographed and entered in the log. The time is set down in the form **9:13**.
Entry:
**11:06**
